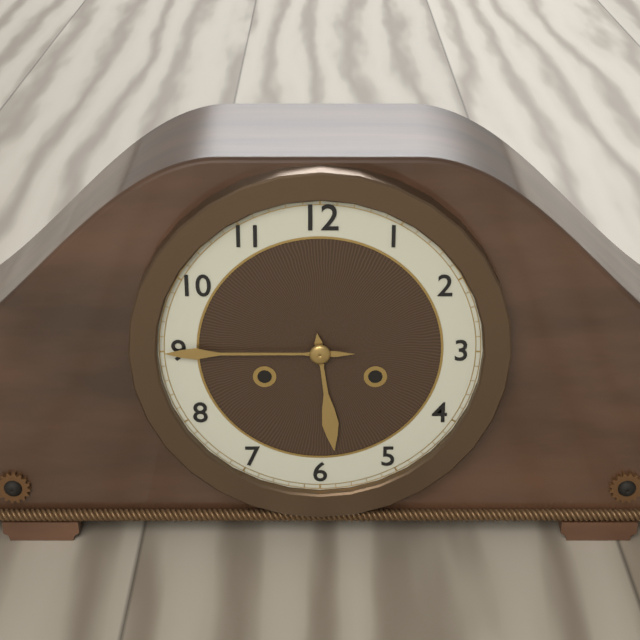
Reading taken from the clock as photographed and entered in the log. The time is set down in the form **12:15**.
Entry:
**5:45**
